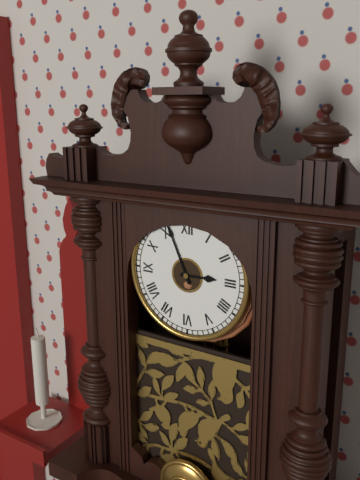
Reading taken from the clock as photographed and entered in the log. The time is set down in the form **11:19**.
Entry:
**2:56**
